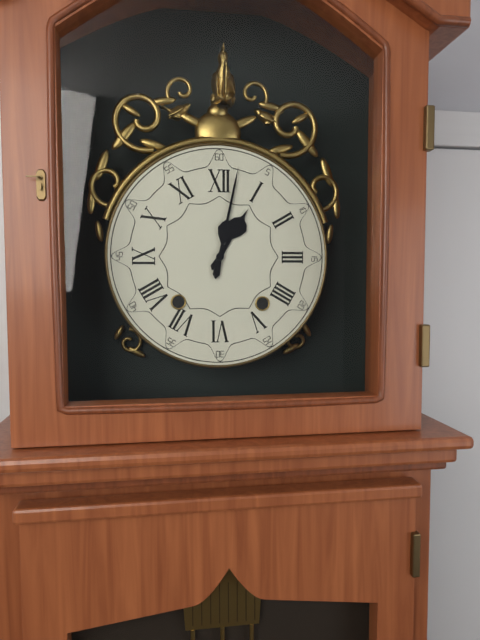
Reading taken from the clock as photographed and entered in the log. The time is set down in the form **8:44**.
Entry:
**1:02**
